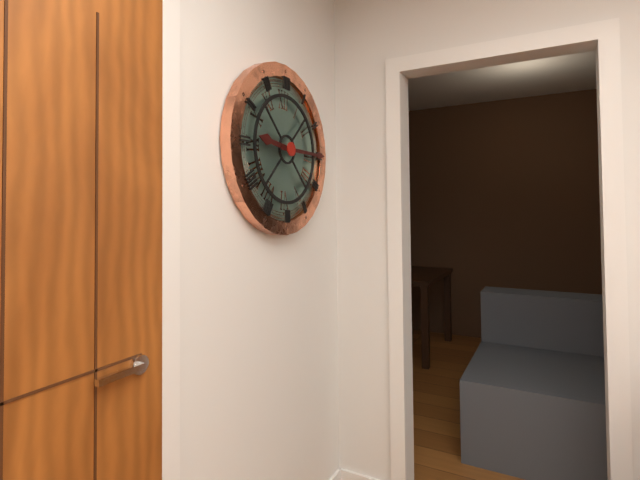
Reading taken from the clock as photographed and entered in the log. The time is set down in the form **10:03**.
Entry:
**9:15**
